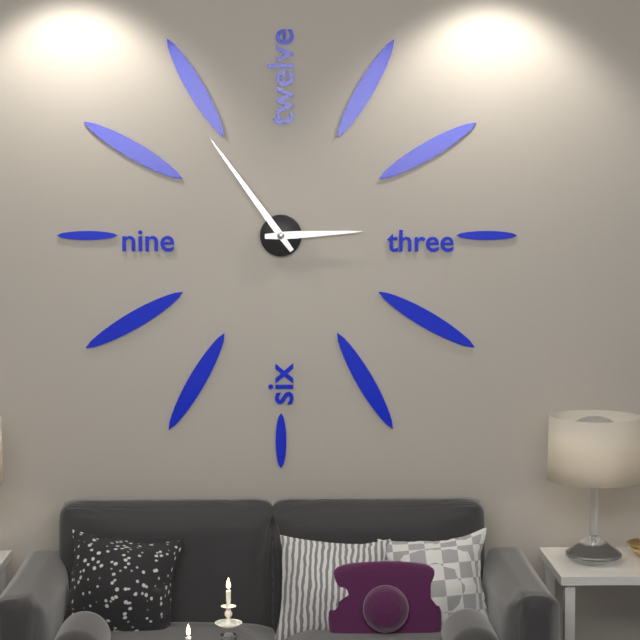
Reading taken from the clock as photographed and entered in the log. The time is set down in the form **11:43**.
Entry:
**2:54**
